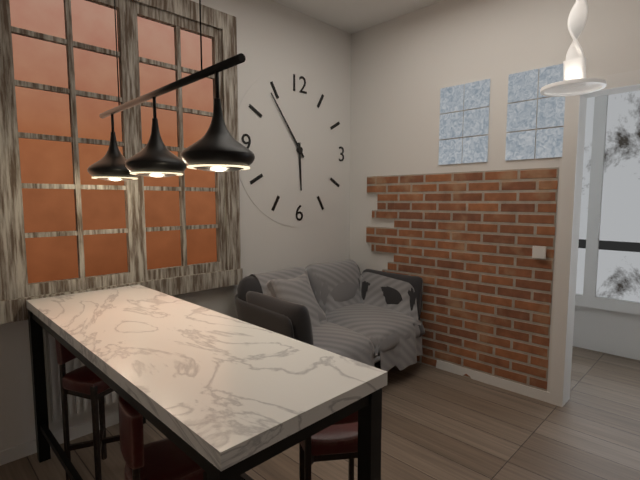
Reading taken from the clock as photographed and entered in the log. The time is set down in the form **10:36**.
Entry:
**5:54**
